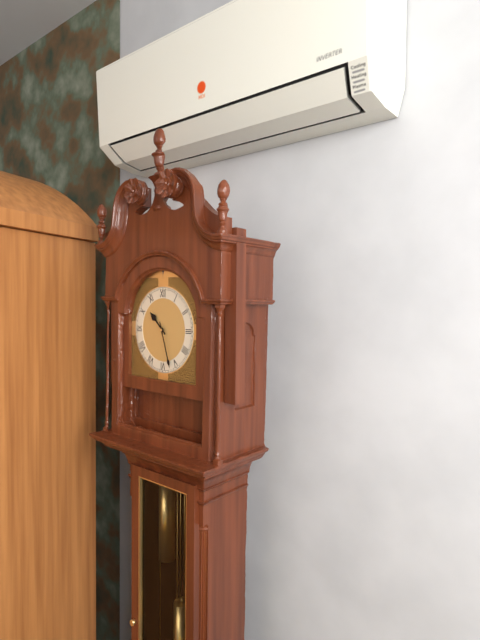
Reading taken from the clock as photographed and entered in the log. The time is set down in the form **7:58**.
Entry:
**10:27**
